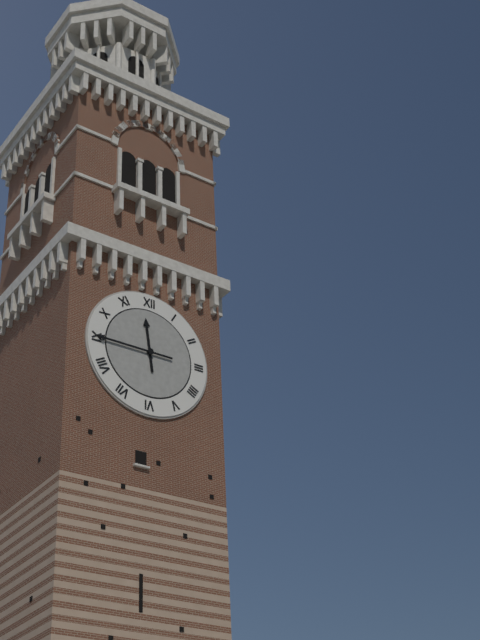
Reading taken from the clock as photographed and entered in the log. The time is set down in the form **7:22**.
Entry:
**11:45**
